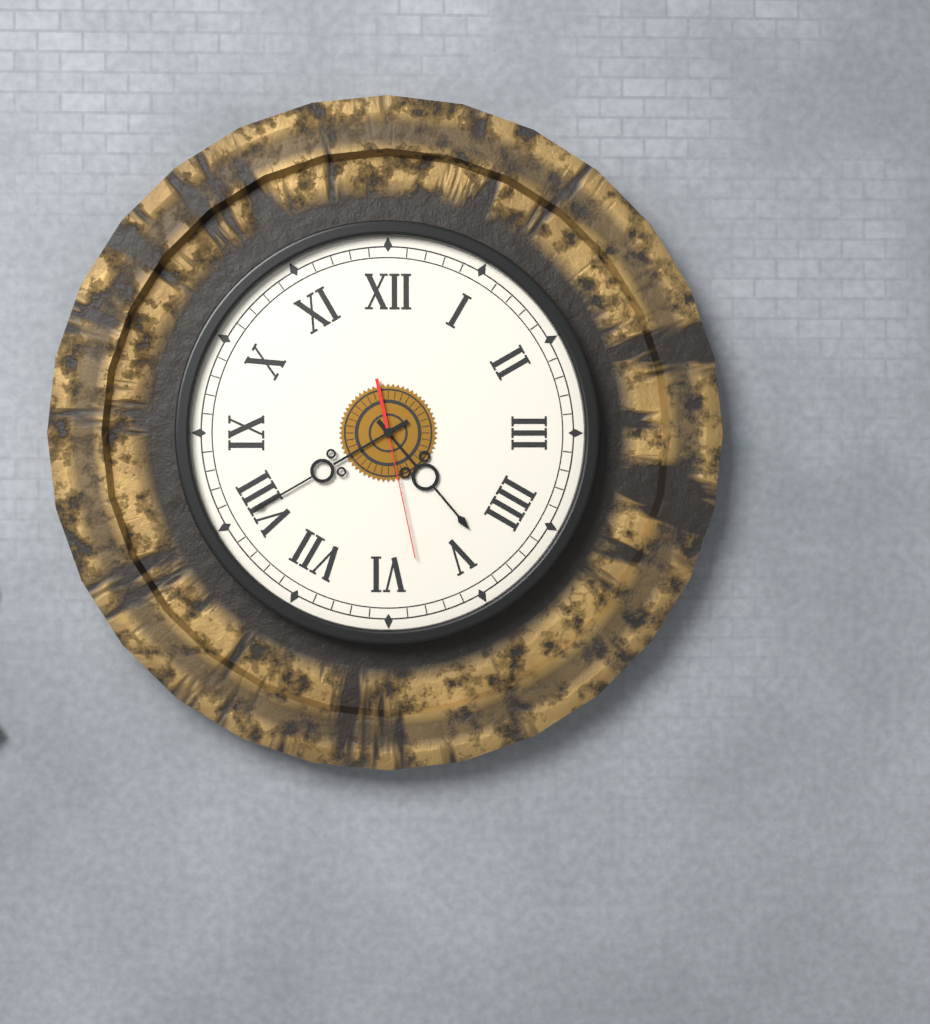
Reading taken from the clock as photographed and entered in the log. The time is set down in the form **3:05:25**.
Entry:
**4:40:28**
